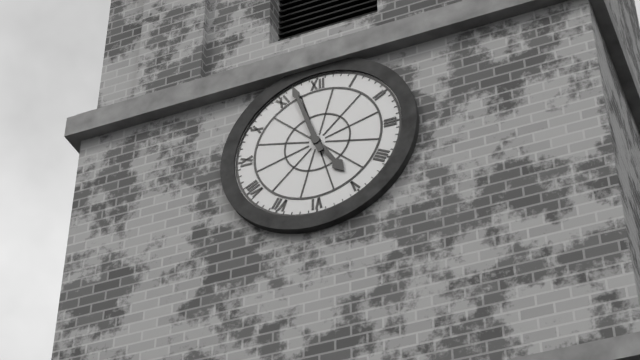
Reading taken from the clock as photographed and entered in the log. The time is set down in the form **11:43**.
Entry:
**4:57**
